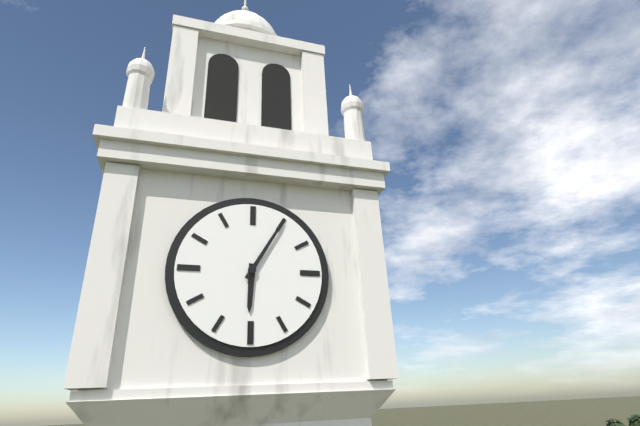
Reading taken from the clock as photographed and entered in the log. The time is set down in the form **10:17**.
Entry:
**6:05**
